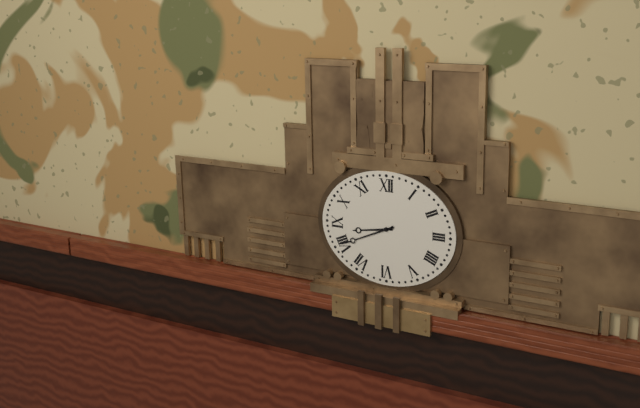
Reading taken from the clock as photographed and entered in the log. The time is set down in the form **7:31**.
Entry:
**8:41**
